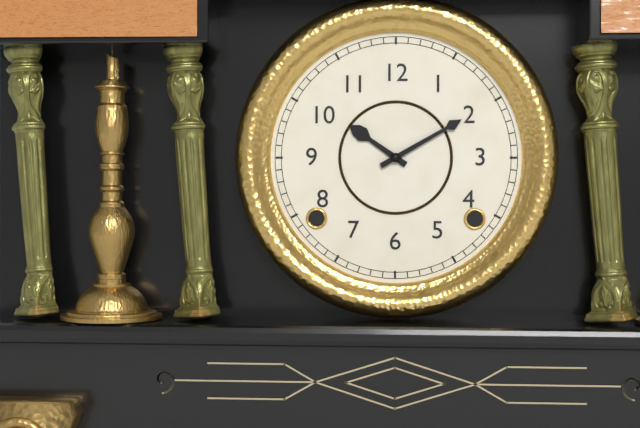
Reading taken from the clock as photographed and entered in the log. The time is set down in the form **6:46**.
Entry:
**10:10**
